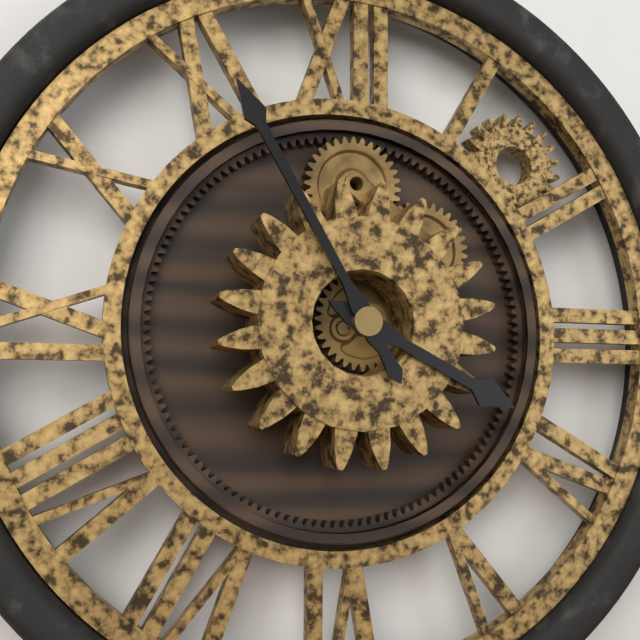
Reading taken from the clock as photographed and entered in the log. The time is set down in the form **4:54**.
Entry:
**3:55**
